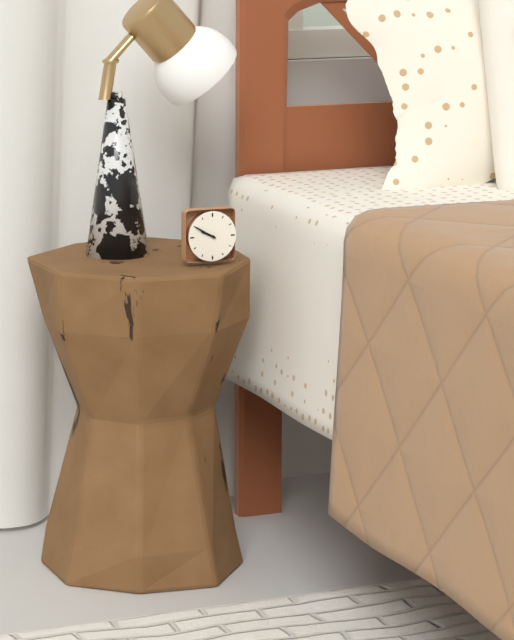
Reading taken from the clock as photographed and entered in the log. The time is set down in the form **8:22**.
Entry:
**9:50**
